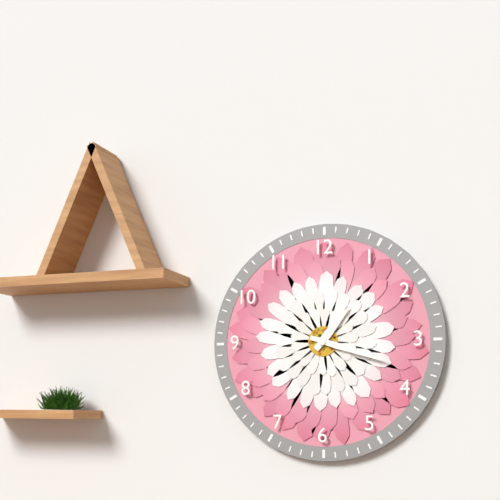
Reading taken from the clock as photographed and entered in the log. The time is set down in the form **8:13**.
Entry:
**1:18**
